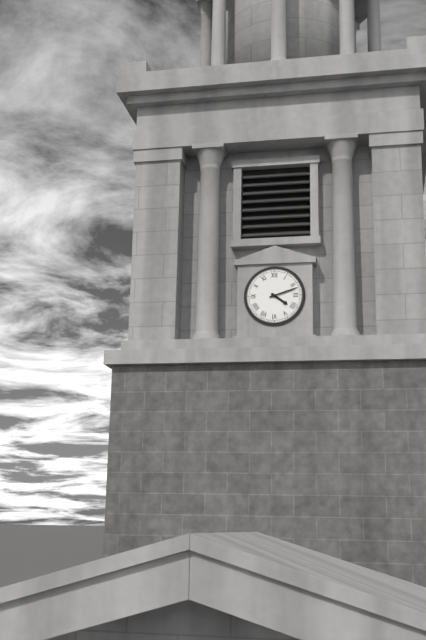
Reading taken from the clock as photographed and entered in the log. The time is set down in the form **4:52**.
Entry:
**4:12**
